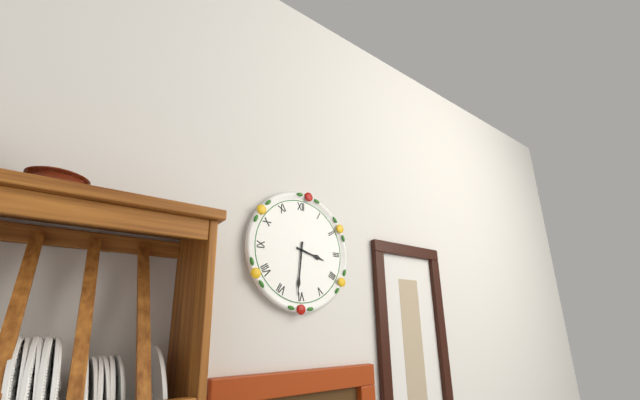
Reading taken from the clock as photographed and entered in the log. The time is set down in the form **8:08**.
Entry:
**3:31**
